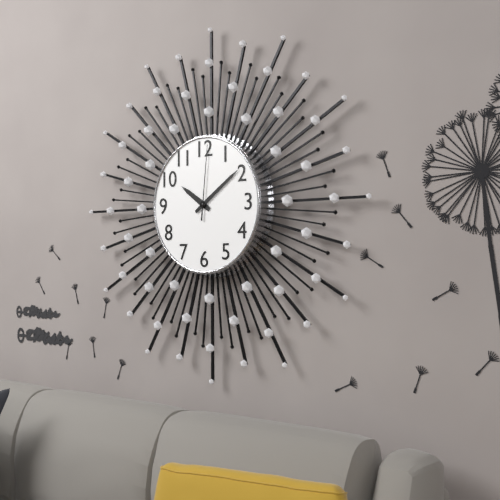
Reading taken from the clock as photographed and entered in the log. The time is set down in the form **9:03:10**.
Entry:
**10:09:01**
